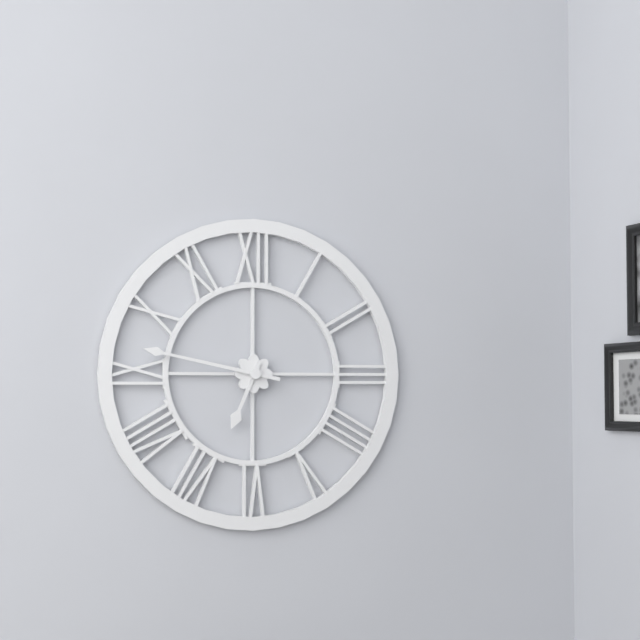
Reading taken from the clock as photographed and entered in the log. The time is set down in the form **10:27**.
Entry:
**6:47**
